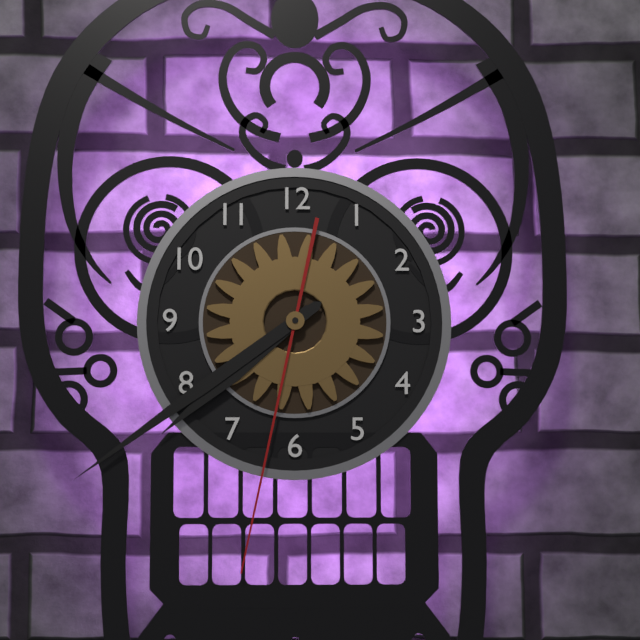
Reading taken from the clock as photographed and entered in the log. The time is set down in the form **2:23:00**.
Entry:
**7:39:32**
